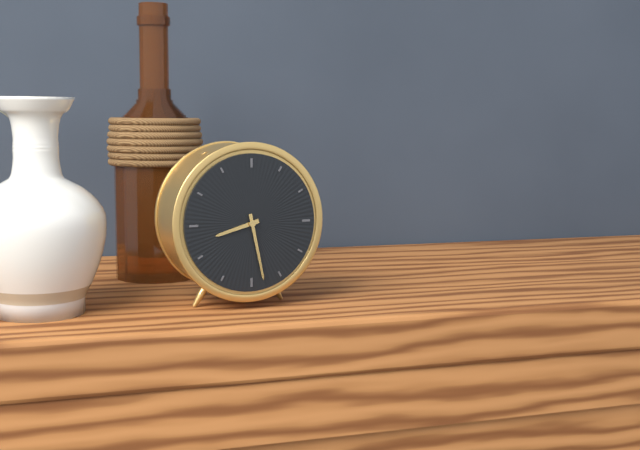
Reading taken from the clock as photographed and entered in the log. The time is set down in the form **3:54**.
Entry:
**8:28**
